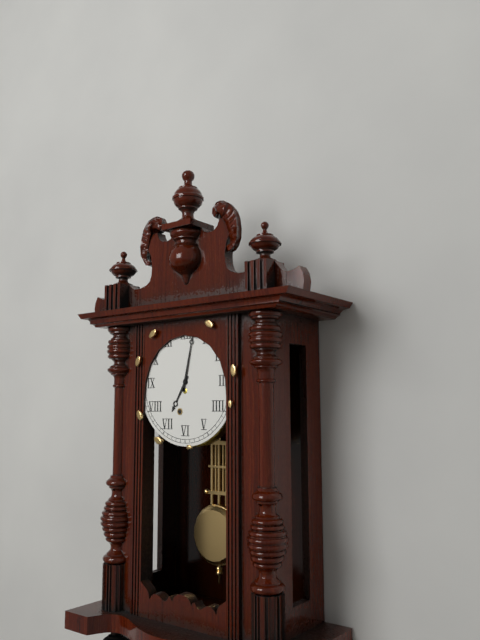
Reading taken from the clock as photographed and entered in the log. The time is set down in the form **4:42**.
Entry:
**7:02**
